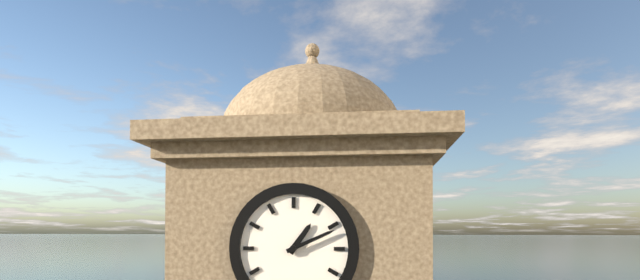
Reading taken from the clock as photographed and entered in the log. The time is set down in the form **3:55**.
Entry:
**1:11**
